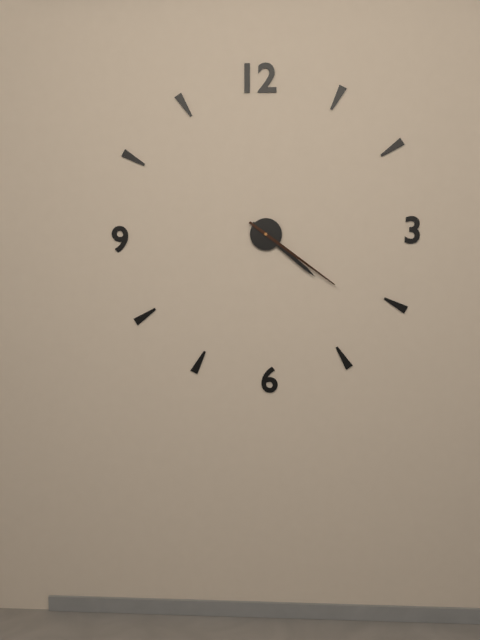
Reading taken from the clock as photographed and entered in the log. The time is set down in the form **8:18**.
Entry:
**4:21**
